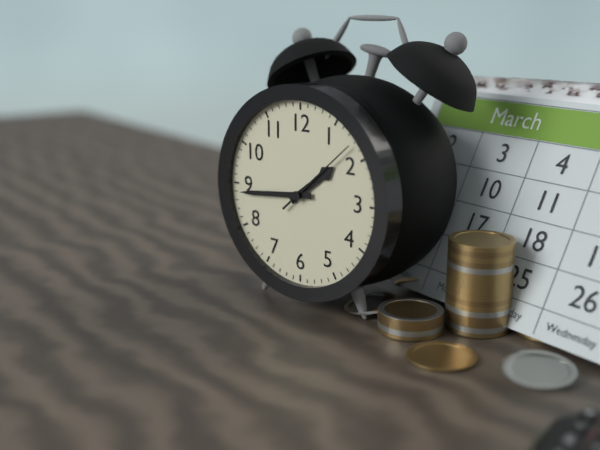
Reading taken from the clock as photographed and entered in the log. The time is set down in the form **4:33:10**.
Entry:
**1:44:08**
